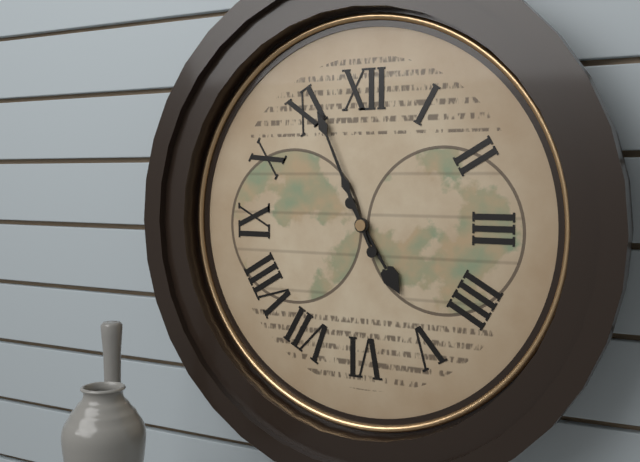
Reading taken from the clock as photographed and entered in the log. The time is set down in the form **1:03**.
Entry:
**4:56**
